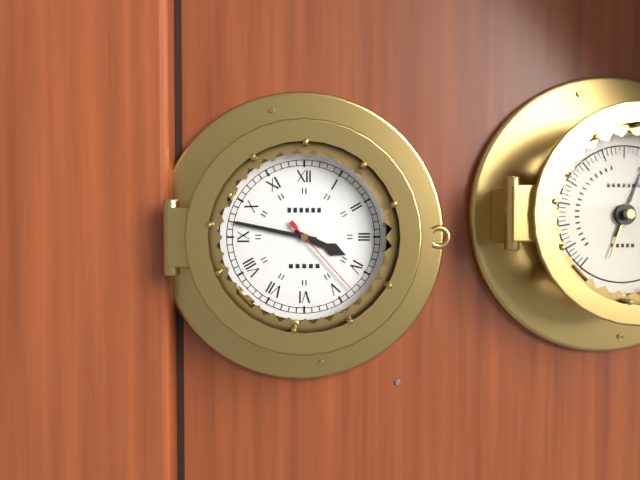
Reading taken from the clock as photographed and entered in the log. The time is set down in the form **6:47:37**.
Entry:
**3:47:23**
